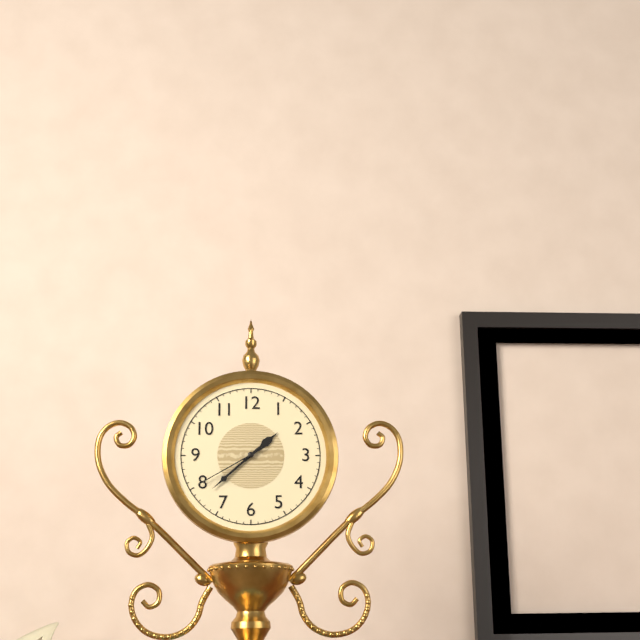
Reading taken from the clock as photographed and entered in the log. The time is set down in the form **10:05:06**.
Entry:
**1:38:40**
